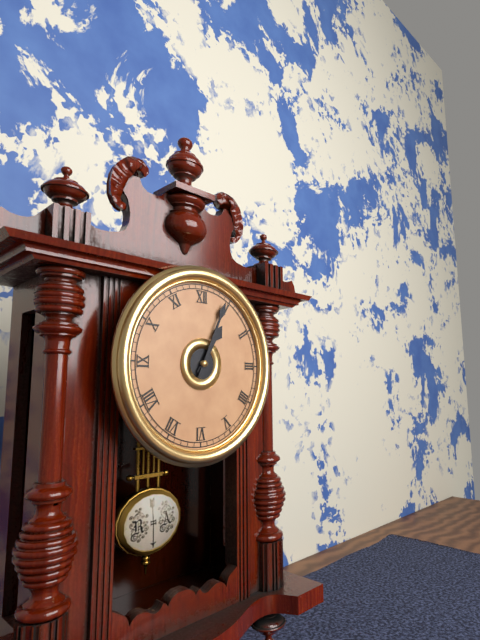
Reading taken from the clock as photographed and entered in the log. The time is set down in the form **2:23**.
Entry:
**1:04**
